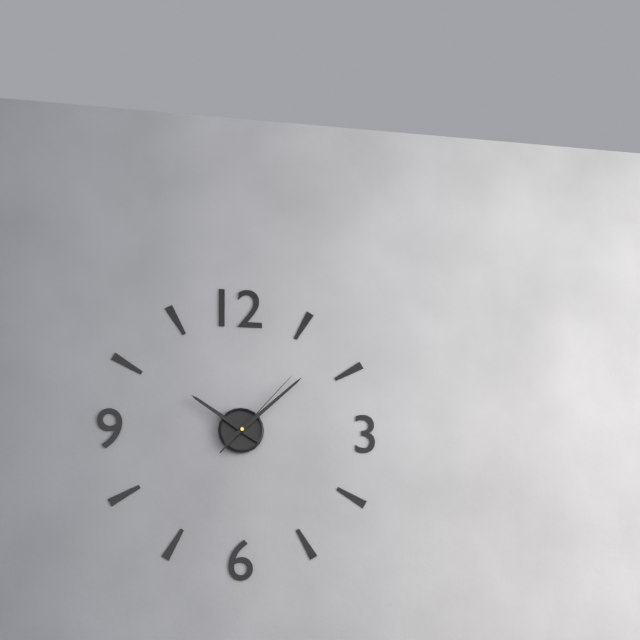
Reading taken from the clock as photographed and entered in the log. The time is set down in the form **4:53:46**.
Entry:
**10:08:07**
